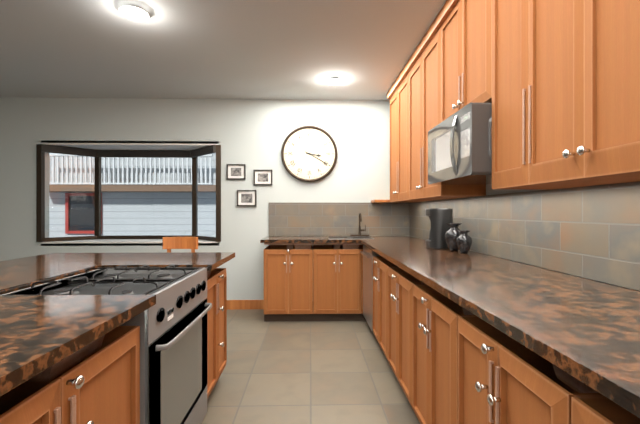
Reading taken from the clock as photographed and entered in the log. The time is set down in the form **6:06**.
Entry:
**3:20**
